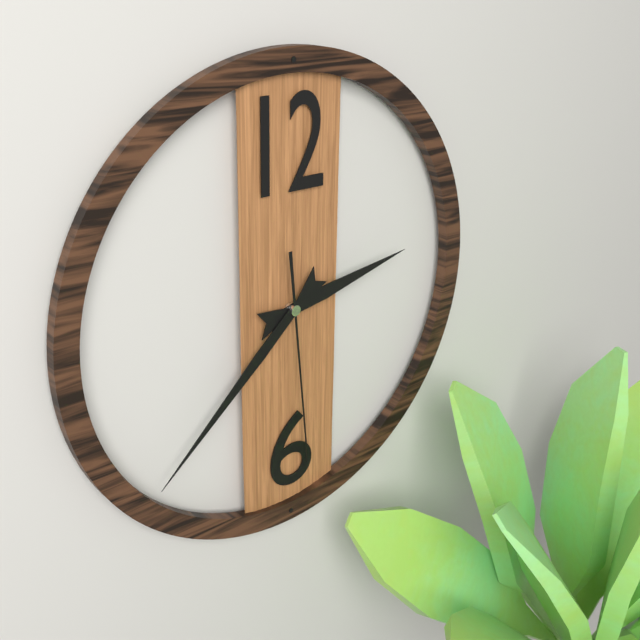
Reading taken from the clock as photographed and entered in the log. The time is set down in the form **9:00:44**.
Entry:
**2:38:29**
